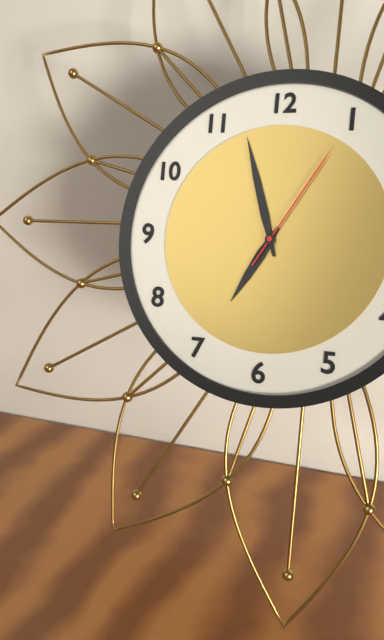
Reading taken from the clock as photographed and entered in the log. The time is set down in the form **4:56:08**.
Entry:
**6:57:05**
